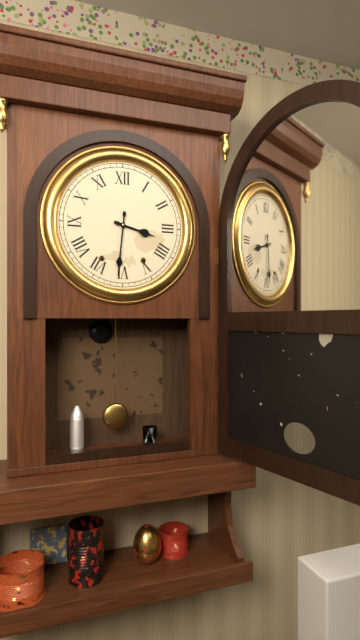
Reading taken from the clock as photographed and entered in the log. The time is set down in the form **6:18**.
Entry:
**3:31**
